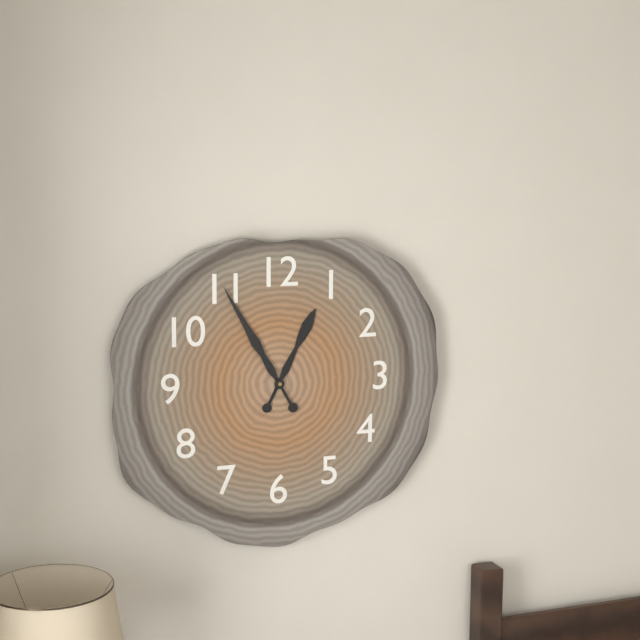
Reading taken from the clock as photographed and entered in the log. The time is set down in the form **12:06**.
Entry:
**12:55**
